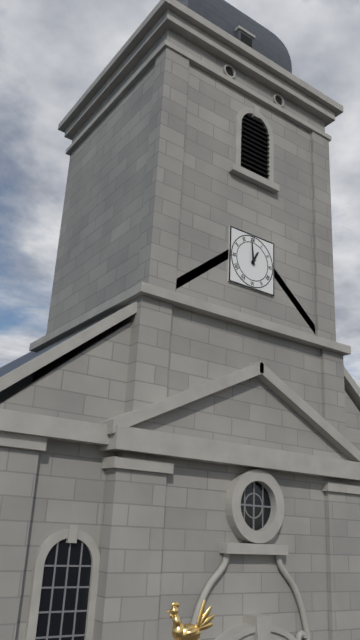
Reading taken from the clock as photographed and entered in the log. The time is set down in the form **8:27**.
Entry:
**12:59**
